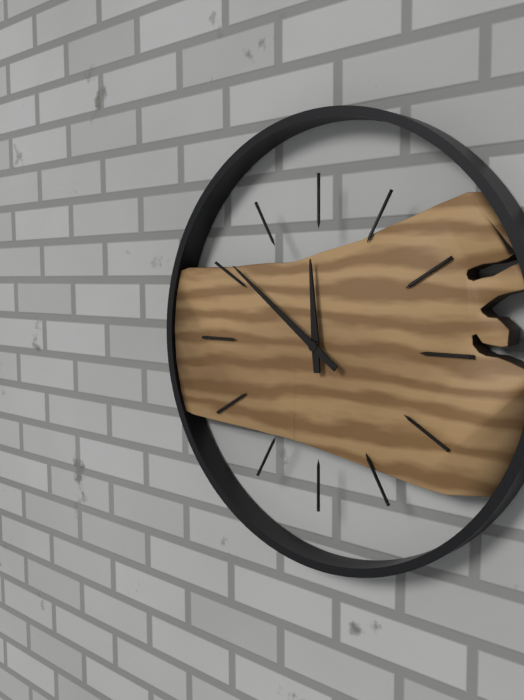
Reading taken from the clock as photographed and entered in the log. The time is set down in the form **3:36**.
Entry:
**11:51**
